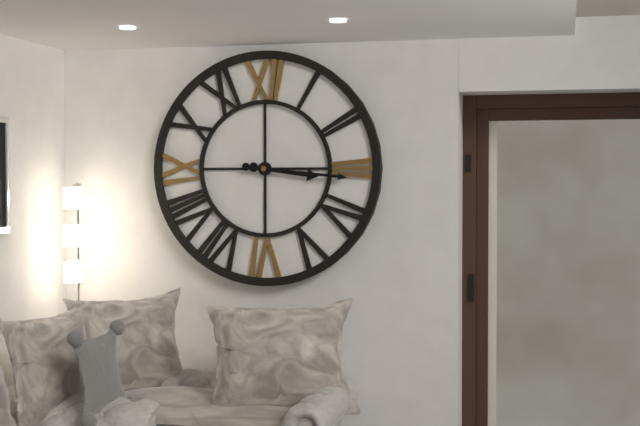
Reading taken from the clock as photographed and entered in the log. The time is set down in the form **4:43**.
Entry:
**3:16**
